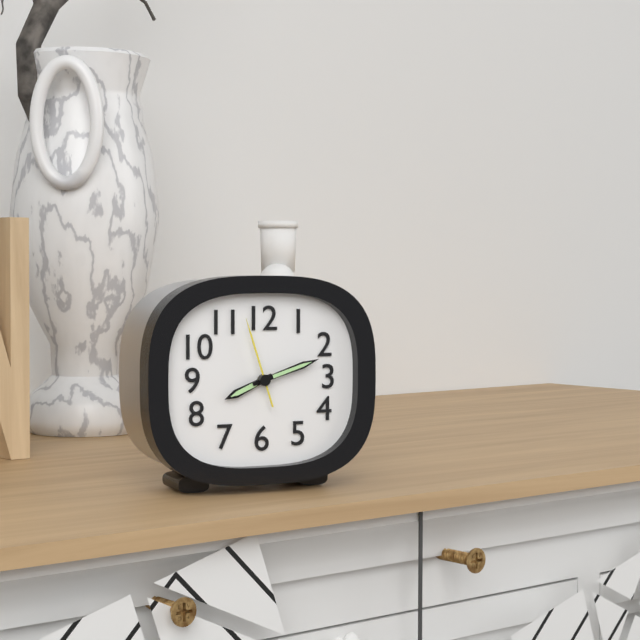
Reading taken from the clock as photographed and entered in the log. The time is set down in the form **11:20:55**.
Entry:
**8:12:57**
